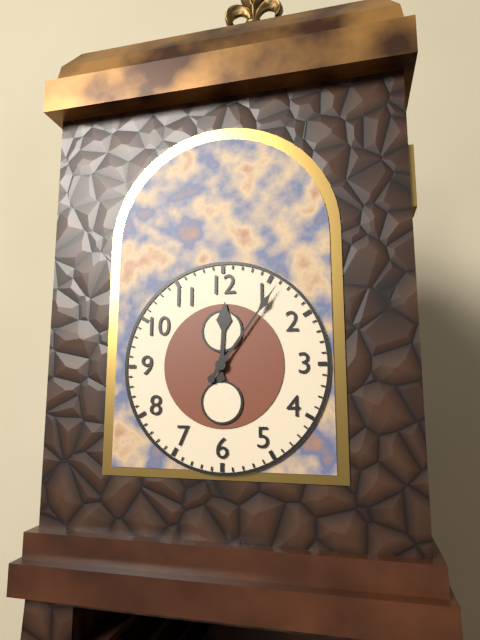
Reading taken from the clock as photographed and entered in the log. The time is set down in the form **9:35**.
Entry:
**12:06**
